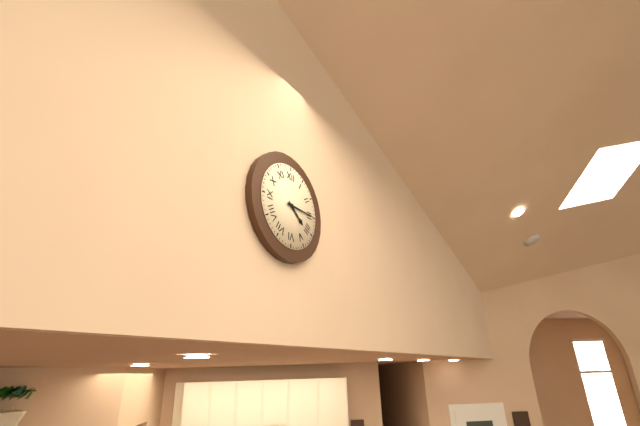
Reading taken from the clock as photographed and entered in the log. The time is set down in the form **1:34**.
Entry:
**4:15**
